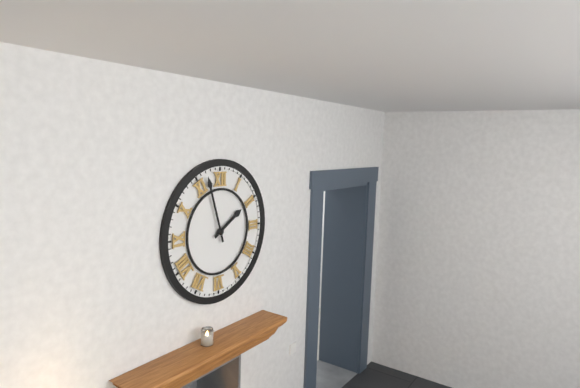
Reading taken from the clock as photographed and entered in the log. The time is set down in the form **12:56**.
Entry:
**1:57**
